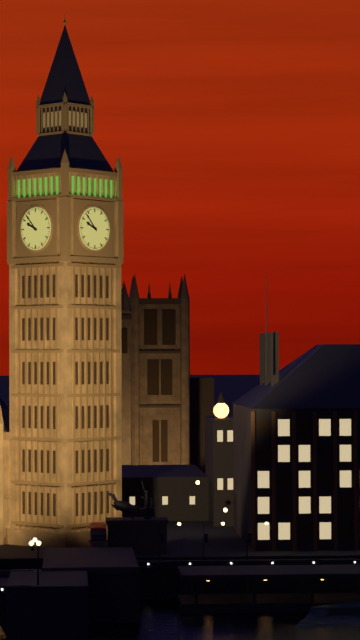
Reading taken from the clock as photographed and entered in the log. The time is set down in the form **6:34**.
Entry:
**9:53**
